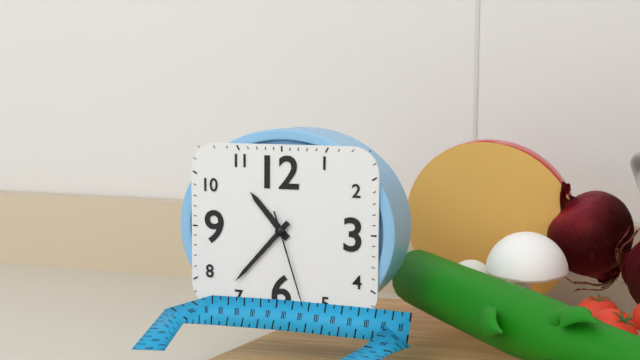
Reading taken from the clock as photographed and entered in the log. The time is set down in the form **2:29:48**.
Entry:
**10:37:27**
